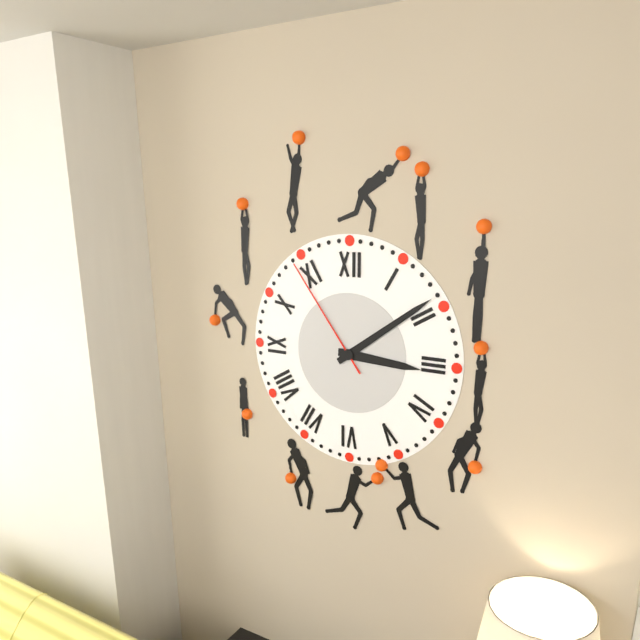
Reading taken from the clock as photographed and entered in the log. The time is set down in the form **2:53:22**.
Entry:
**3:09:54**
